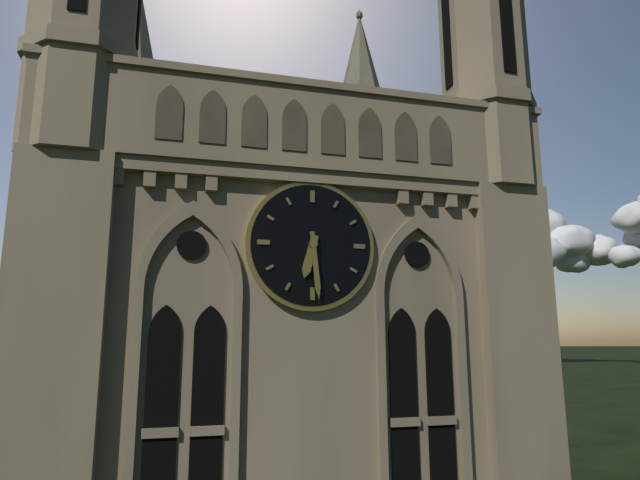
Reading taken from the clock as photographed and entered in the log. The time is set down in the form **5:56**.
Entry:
**6:29**
